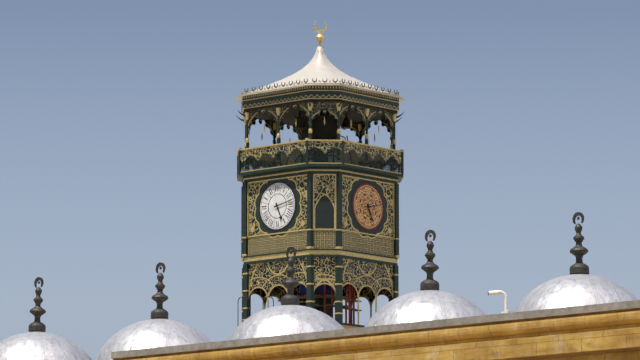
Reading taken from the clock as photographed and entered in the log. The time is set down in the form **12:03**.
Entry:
**5:13**
